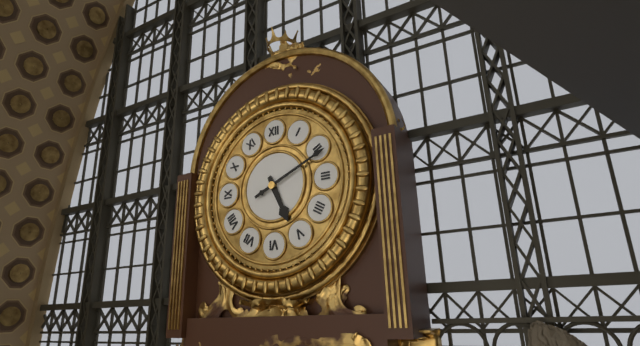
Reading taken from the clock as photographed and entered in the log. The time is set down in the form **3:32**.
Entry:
**5:11**
